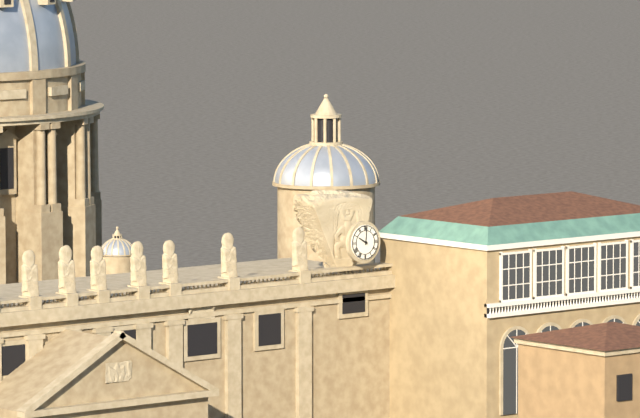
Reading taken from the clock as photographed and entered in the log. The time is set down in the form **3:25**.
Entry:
**10:01**
